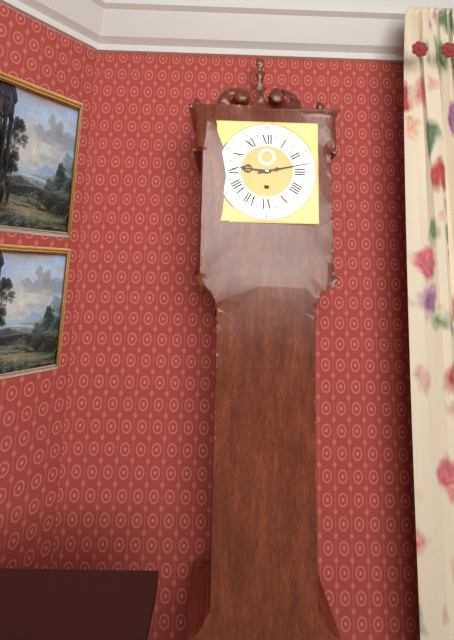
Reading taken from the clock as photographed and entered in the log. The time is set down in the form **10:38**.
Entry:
**9:13**
